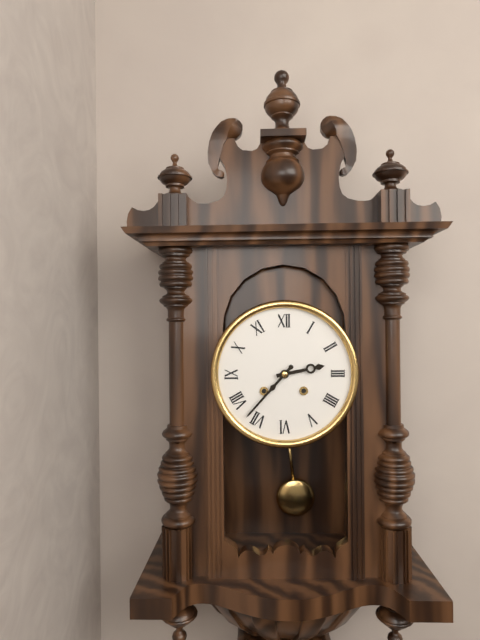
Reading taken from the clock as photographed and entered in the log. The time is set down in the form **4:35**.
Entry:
**2:37**
